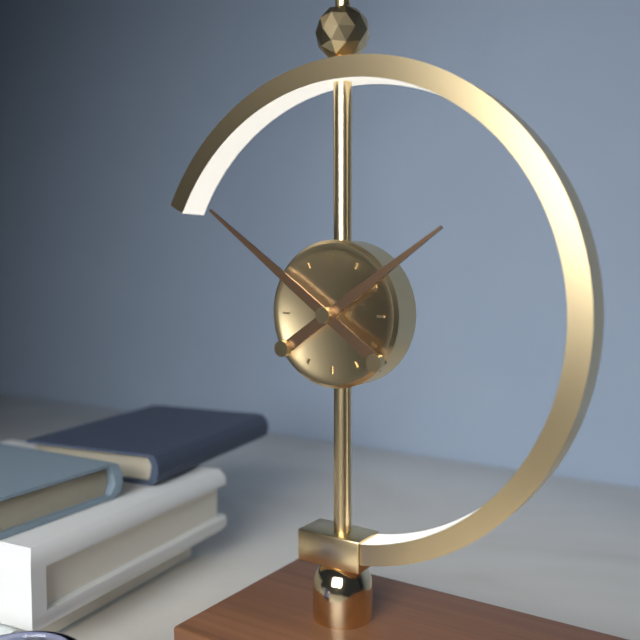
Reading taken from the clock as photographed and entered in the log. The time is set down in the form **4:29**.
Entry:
**1:51**
